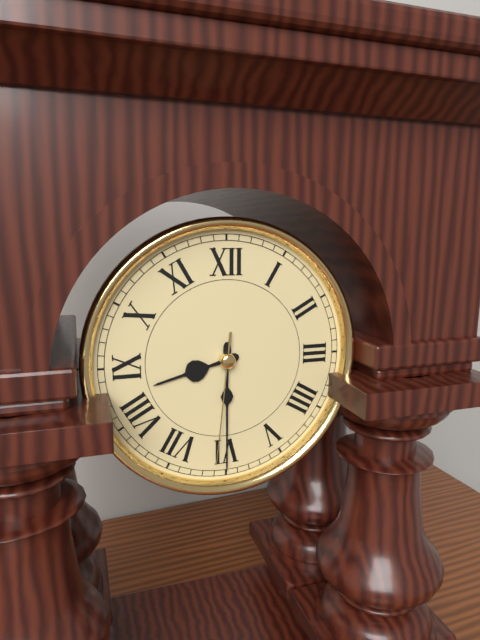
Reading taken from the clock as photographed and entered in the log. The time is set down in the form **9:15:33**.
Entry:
**8:30:31**
